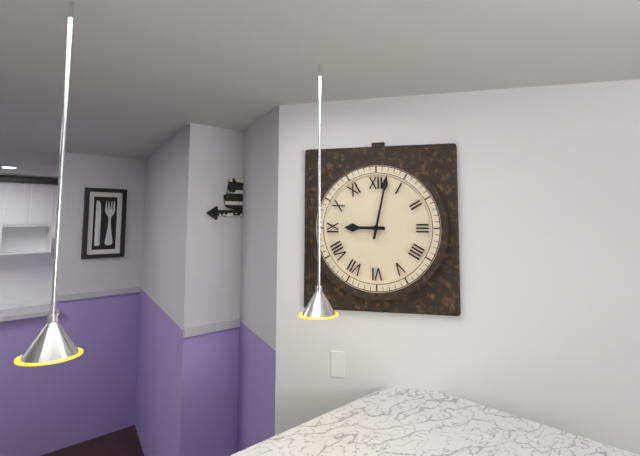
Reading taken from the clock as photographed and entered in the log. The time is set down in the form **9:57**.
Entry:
**9:02**
